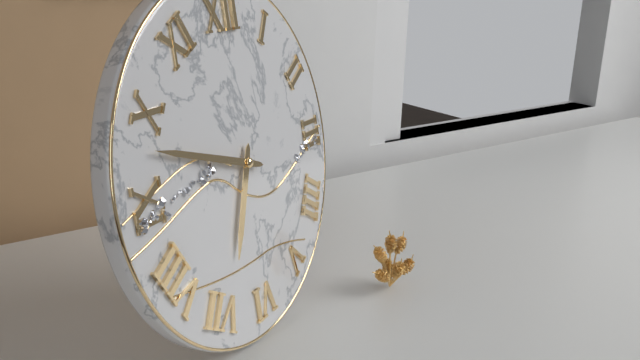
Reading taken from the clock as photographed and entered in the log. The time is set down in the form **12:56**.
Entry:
**6:48**
